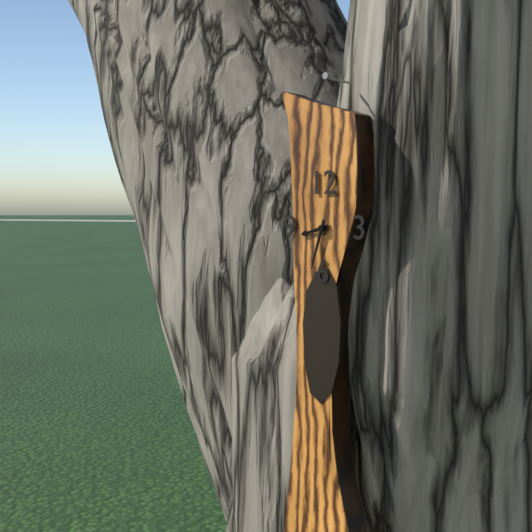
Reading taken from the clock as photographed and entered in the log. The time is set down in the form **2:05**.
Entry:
**8:33**
